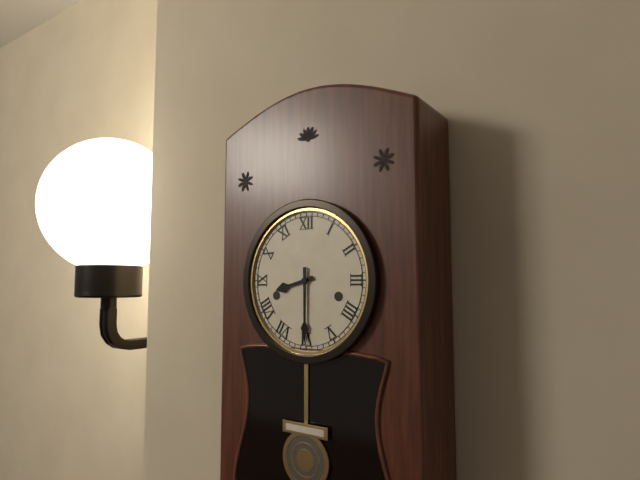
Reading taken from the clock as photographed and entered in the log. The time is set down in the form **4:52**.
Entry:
**8:30**
